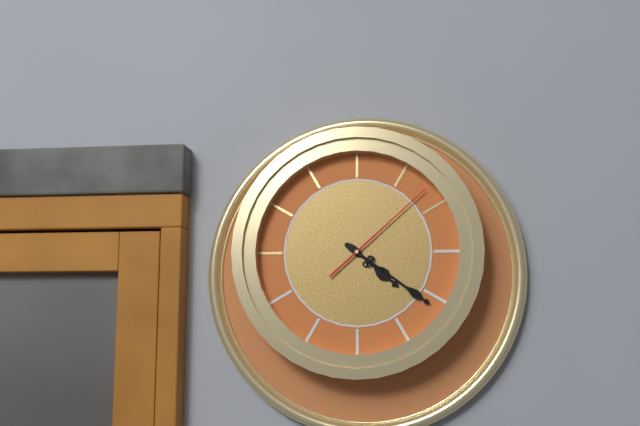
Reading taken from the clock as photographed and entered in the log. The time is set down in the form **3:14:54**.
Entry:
**4:21:08**
